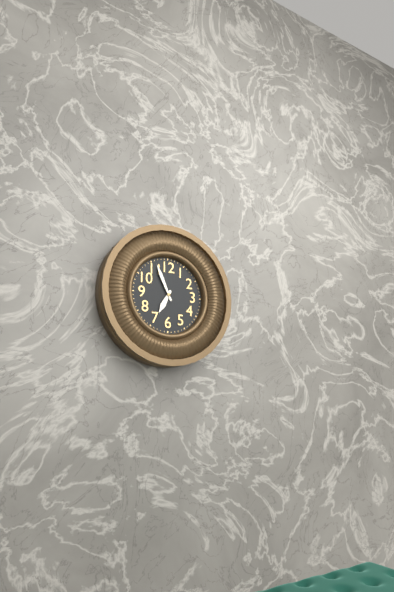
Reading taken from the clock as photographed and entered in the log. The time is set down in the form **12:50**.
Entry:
**6:56**
